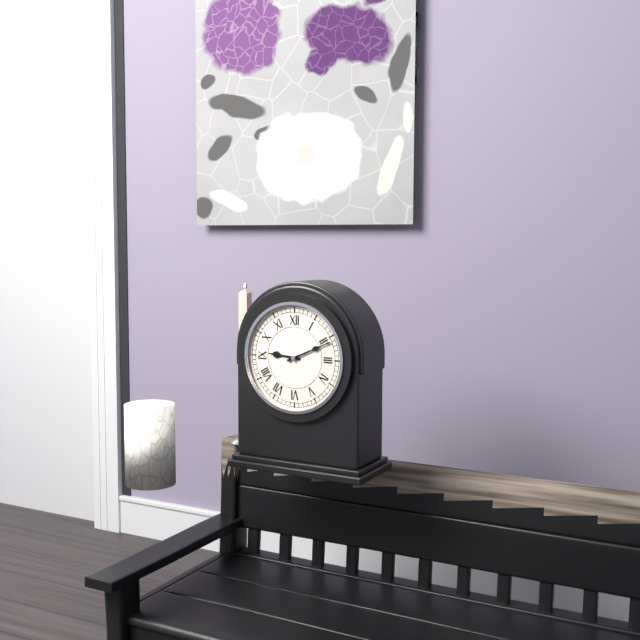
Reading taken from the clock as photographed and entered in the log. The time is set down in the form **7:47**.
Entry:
**9:11**
